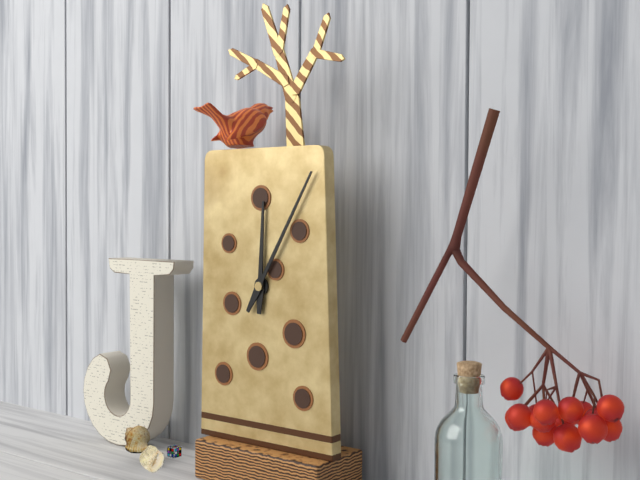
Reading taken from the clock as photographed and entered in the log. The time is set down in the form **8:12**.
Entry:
**12:05**
